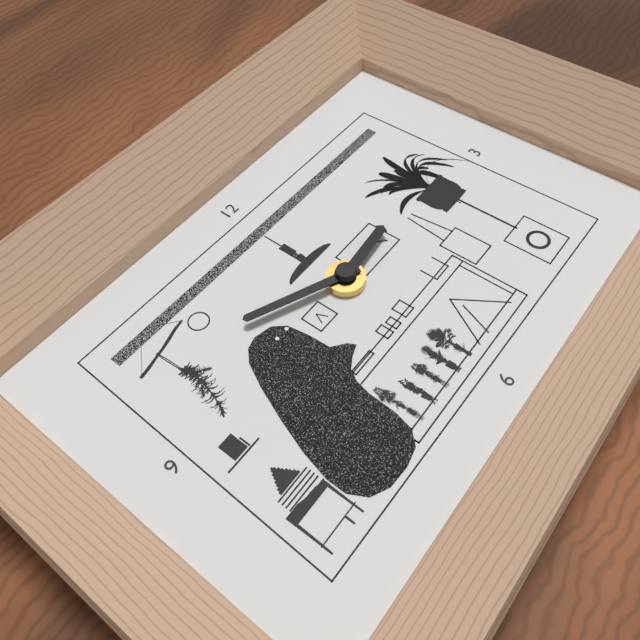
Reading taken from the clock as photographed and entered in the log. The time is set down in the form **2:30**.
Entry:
**2:49**
